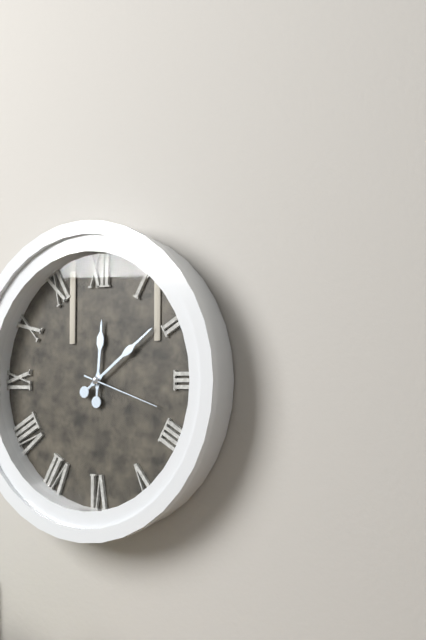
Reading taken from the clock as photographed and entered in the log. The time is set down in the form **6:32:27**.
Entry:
**12:09:18**
